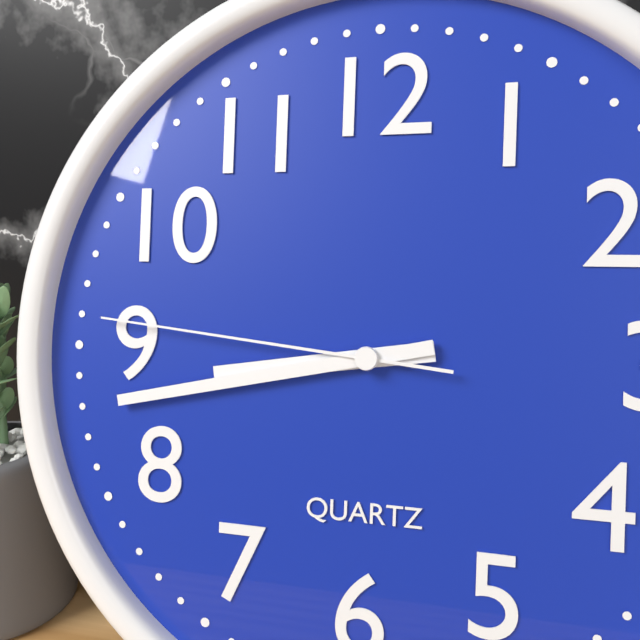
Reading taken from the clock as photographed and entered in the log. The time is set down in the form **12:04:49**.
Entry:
**8:43:46**
